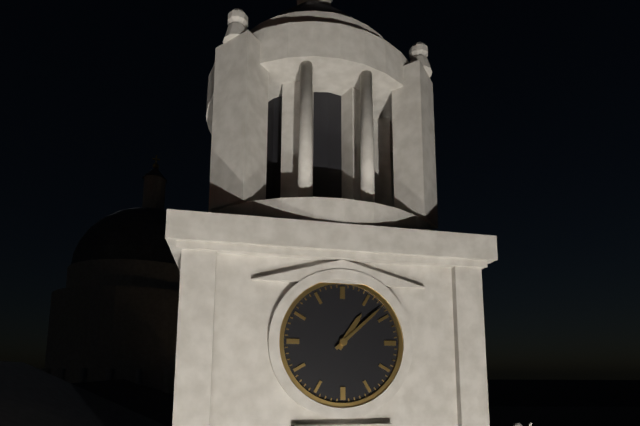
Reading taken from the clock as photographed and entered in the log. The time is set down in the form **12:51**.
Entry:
**1:08**
